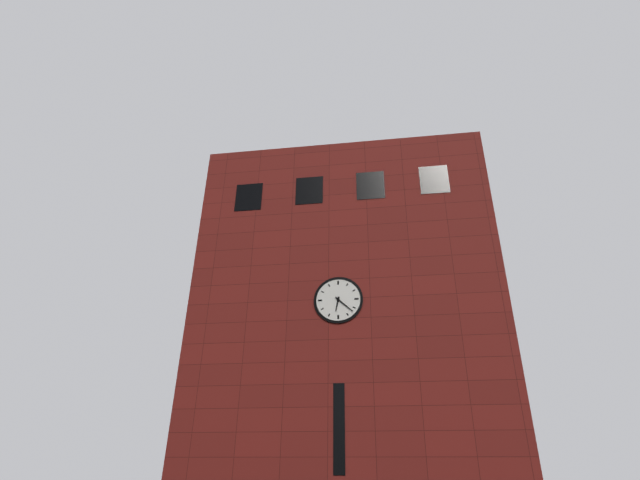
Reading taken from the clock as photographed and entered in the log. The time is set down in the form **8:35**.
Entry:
**6:22**
